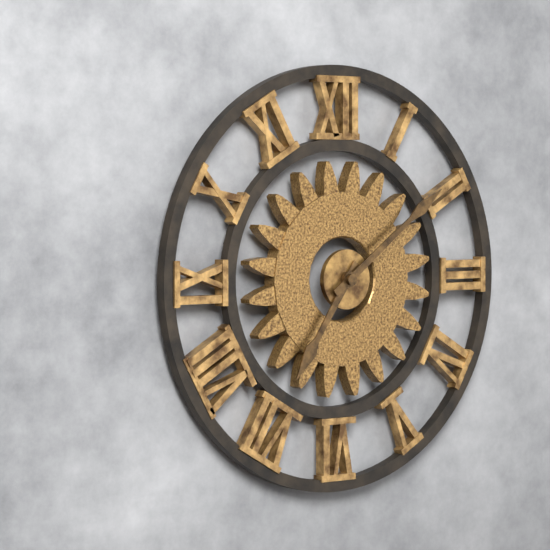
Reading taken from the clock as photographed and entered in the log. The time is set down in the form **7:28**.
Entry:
**7:09**
